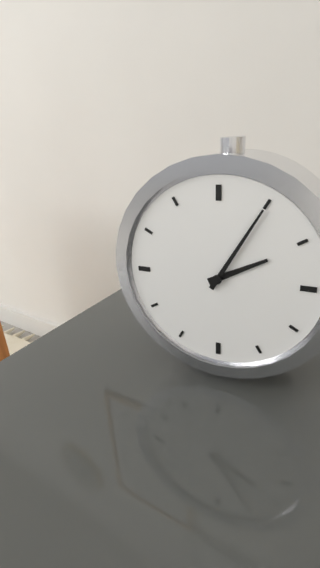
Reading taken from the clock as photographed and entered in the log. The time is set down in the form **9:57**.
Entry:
**2:05**
